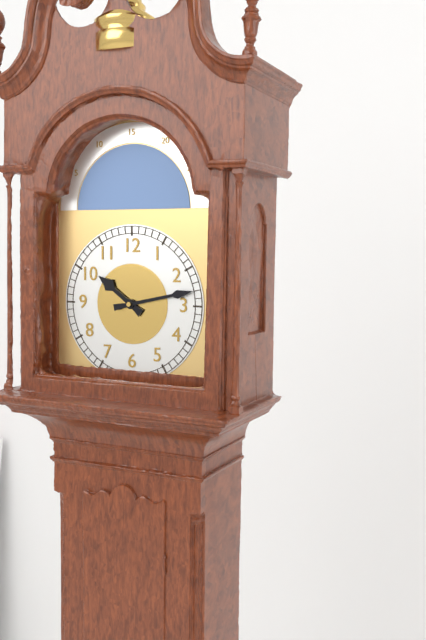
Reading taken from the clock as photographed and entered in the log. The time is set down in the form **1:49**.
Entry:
**10:13**
